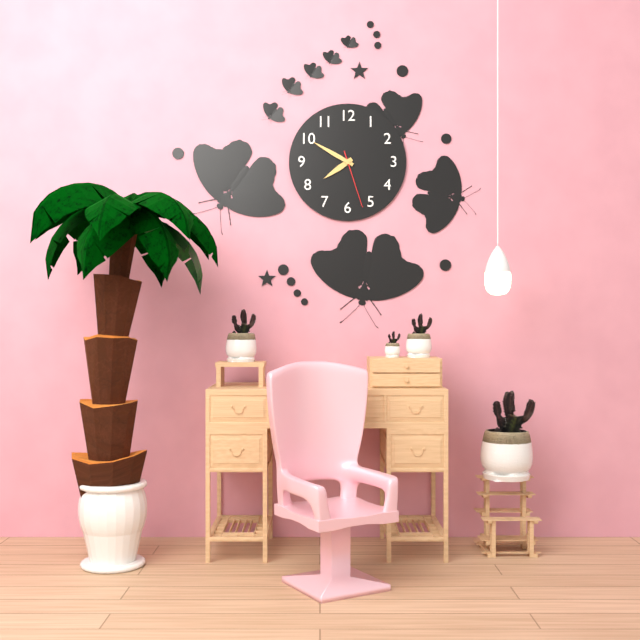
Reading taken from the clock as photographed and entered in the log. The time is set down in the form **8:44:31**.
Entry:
**7:50:27**
